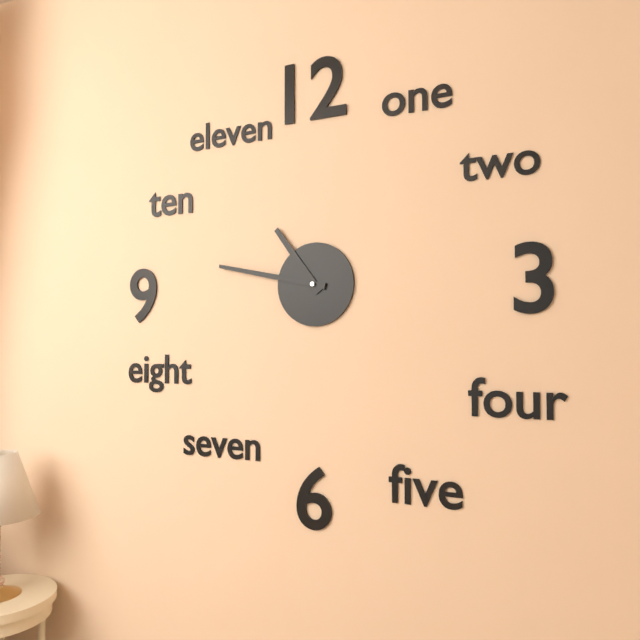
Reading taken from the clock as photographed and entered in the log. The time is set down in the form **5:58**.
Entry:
**10:47**
